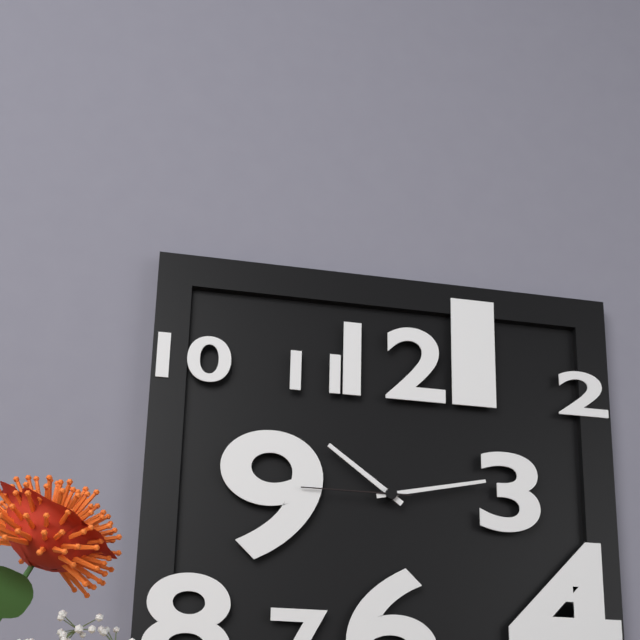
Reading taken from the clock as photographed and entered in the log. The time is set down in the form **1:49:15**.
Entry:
**10:13:45**
